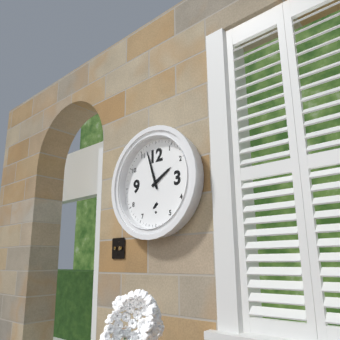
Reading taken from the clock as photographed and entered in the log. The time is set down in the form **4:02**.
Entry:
**1:57**
